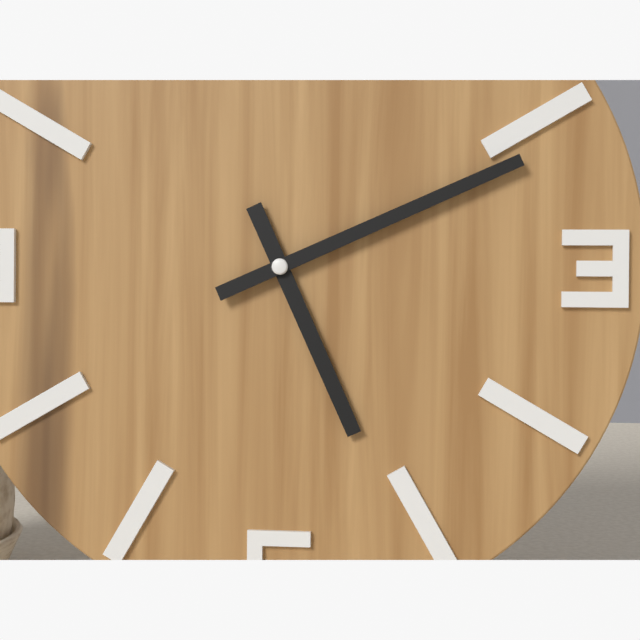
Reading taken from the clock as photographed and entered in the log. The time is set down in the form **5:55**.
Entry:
**5:11**
